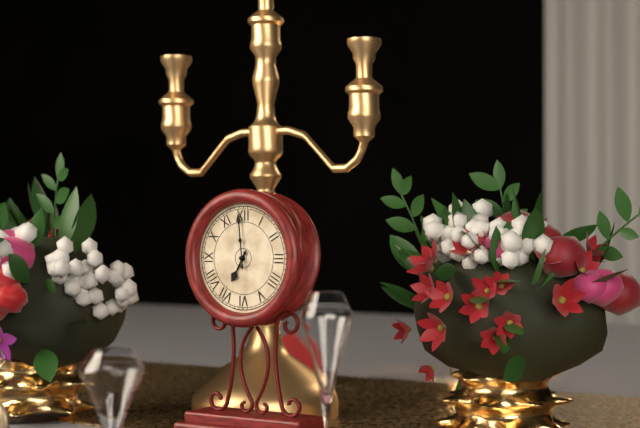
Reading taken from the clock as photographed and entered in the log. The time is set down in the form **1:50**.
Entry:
**6:59**
